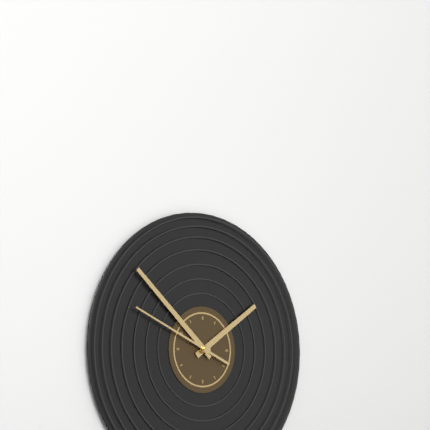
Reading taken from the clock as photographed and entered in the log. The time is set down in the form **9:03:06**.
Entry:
**1:52:49**
